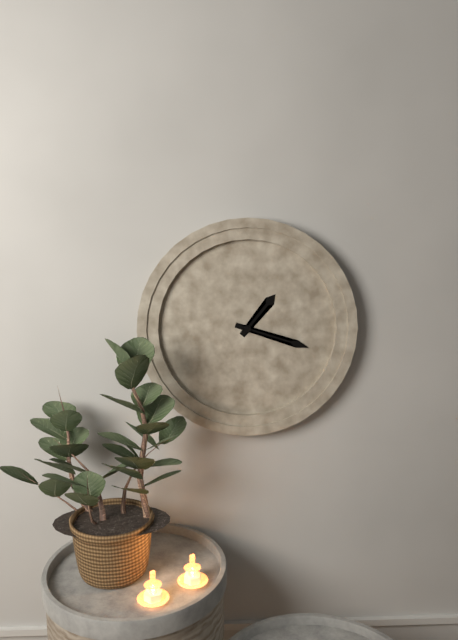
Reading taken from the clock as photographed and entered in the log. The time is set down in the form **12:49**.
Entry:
**1:18**
